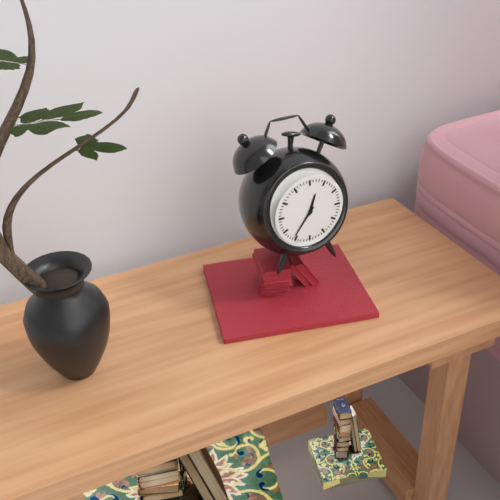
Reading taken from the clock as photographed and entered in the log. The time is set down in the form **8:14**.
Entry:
**12:36**
